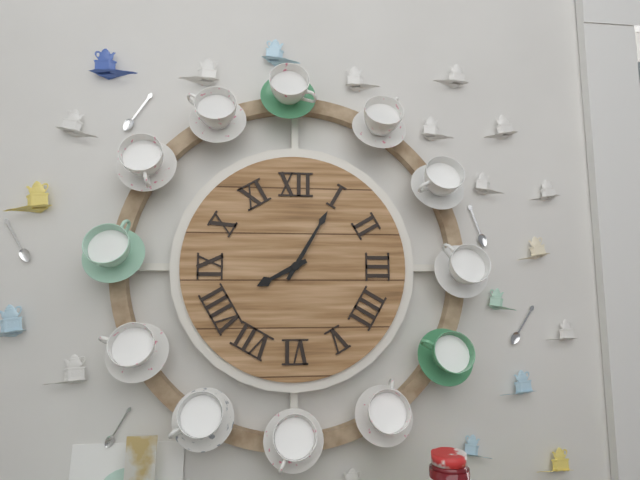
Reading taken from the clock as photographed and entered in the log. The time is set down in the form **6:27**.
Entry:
**8:05**
